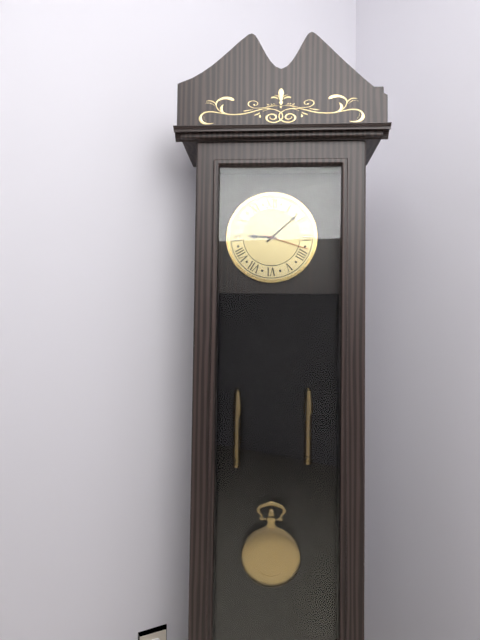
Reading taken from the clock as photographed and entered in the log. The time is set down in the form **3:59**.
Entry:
**9:08**
